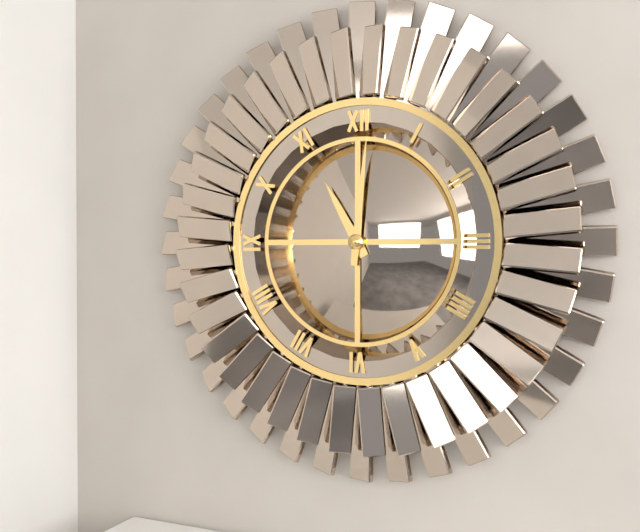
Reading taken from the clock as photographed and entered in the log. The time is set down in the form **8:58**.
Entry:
**11:01**
